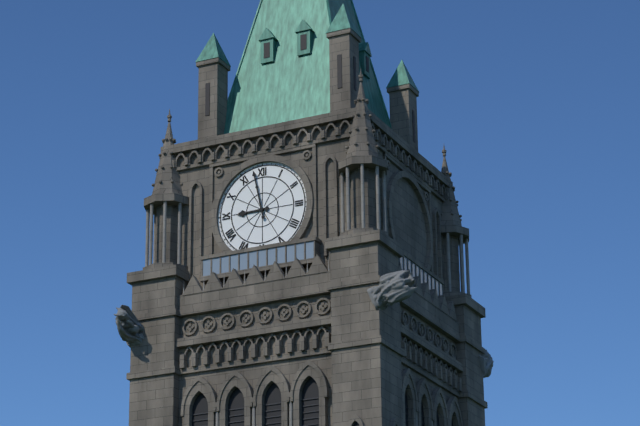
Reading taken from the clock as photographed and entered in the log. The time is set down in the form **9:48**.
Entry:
**8:58**
